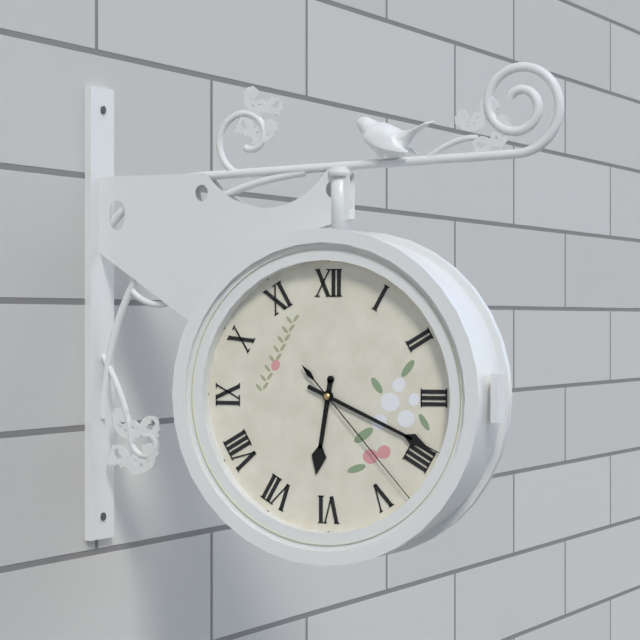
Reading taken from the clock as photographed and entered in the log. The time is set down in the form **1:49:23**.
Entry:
**6:19:23**
